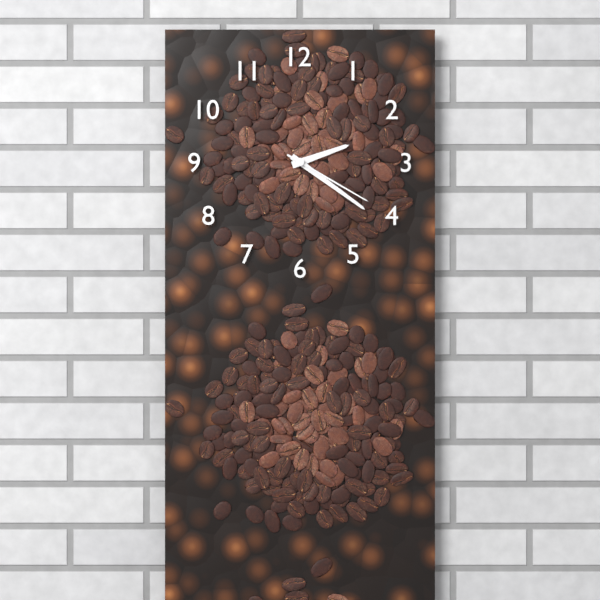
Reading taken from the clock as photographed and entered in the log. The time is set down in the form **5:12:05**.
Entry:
**2:21:20**
